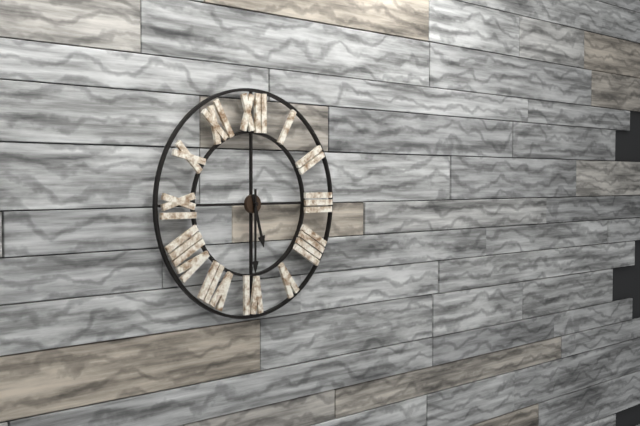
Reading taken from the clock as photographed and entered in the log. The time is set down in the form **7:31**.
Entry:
**5:30**
